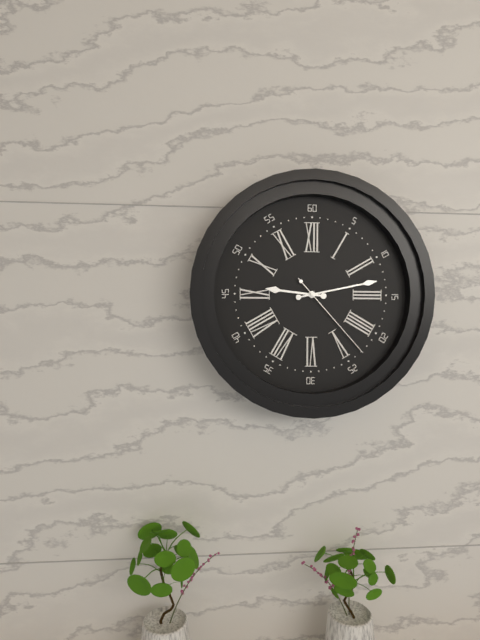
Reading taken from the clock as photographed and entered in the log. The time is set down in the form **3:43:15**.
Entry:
**9:13:23**
